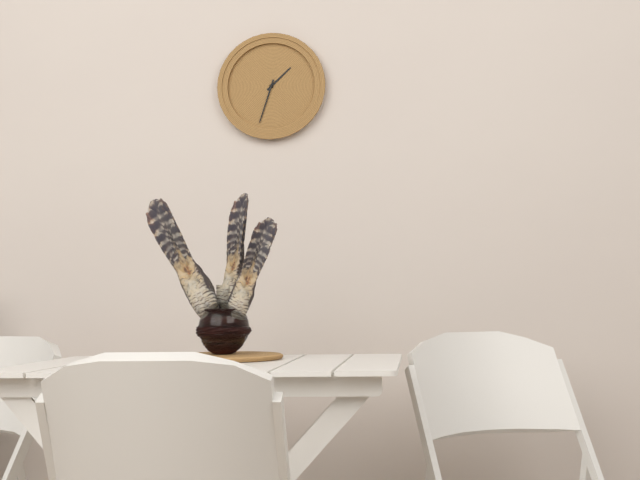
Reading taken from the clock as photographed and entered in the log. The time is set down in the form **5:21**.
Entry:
**1:33**
